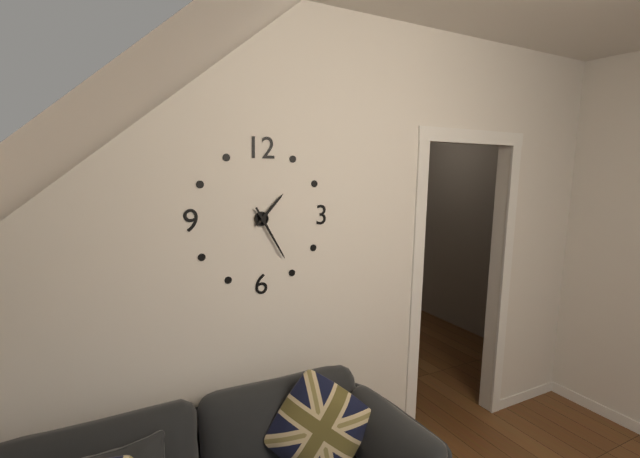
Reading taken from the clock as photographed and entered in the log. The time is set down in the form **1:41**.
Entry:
**1:25**
